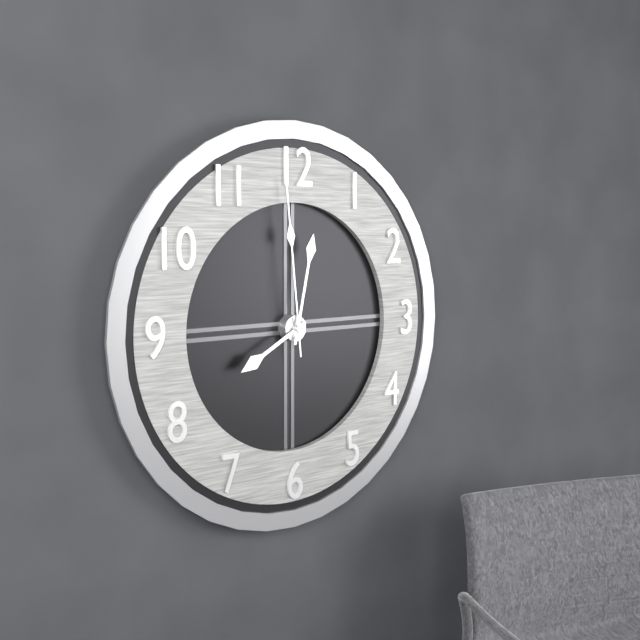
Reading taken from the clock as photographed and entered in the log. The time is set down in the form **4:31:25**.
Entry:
**8:02:59**
